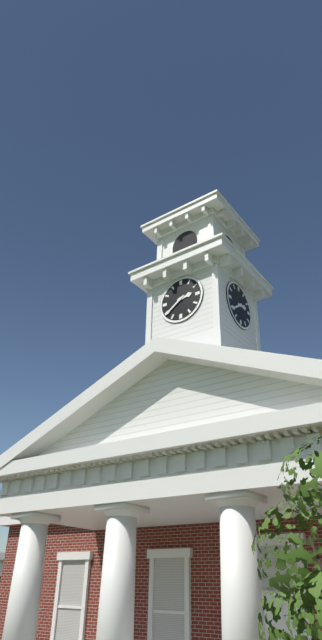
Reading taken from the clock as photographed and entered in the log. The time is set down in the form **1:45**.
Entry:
**2:39**
